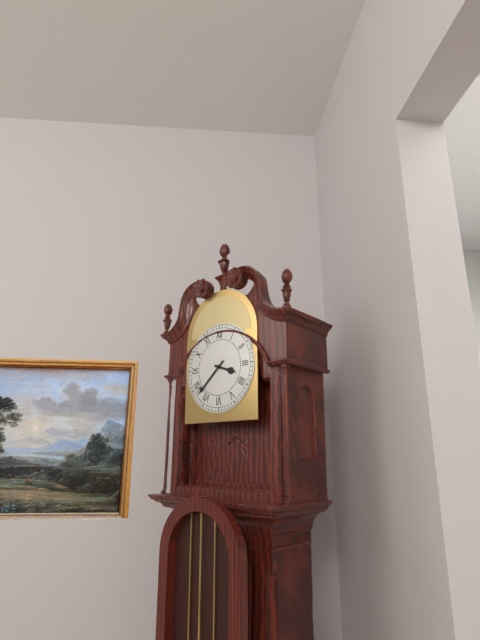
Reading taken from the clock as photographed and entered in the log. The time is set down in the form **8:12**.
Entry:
**3:38**
